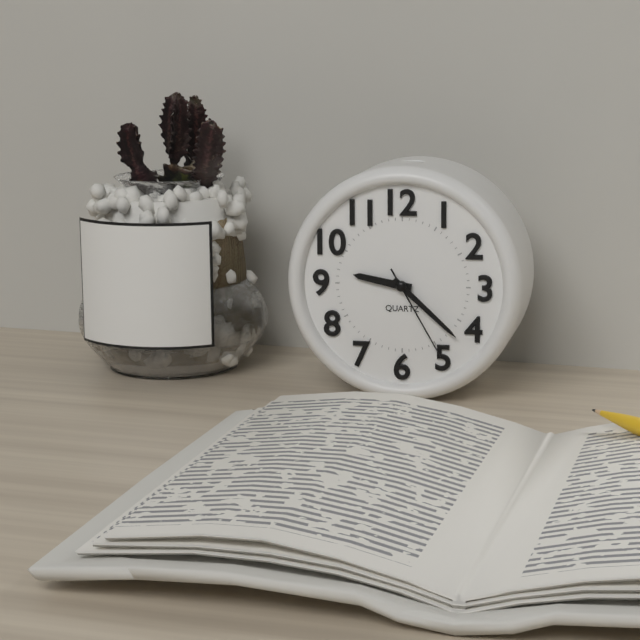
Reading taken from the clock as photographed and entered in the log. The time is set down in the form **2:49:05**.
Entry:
**9:22:25**
